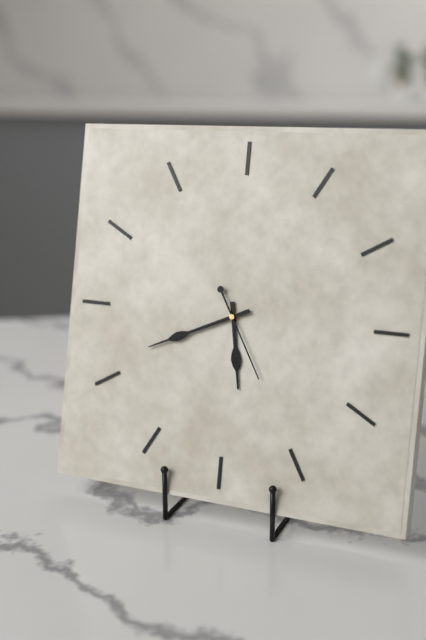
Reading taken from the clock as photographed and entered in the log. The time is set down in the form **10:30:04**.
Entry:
**5:41:25**
